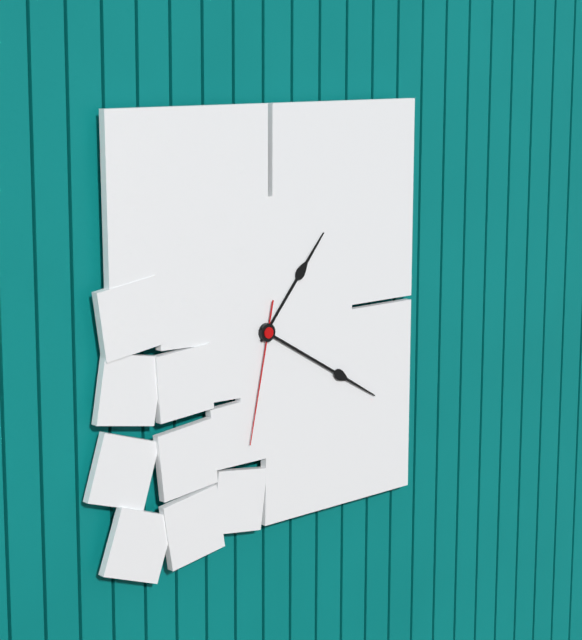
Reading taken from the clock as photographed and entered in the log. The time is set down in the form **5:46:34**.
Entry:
**1:20:32**
